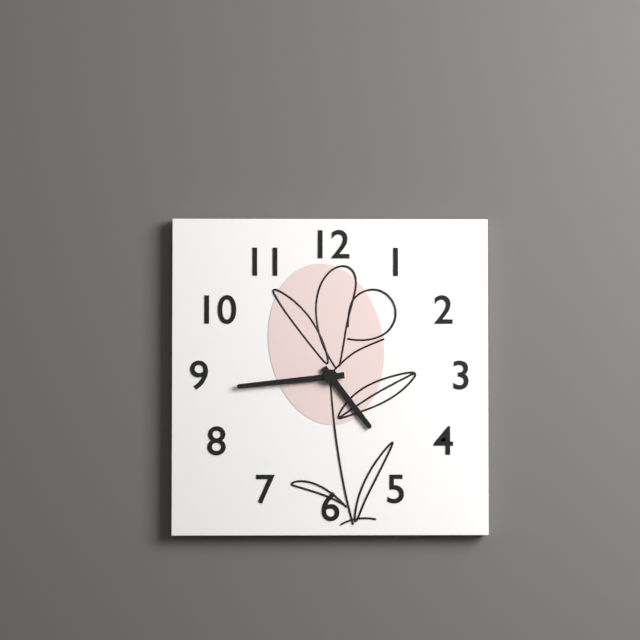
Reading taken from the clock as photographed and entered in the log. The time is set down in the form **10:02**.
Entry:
**4:44**
